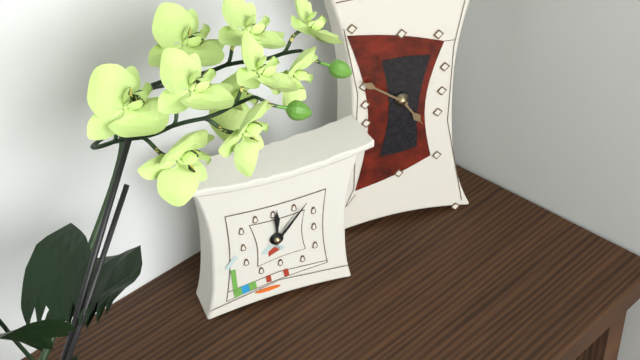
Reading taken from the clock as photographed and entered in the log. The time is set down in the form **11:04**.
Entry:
**4:51**
